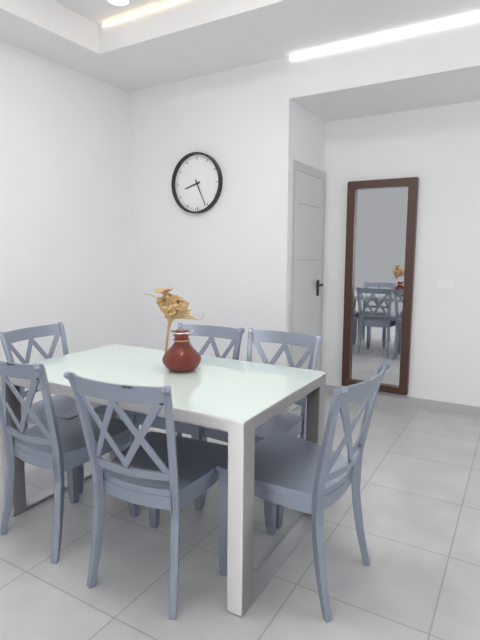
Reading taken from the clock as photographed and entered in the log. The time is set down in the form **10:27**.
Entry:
**8:26**
